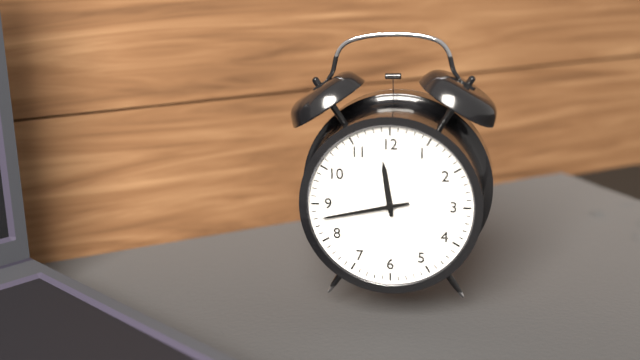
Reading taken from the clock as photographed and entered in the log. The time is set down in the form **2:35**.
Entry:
**11:43**
